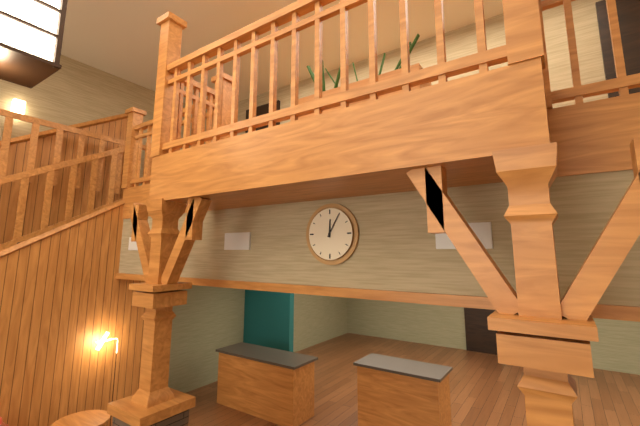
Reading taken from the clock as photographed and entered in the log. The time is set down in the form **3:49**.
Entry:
**12:05**
